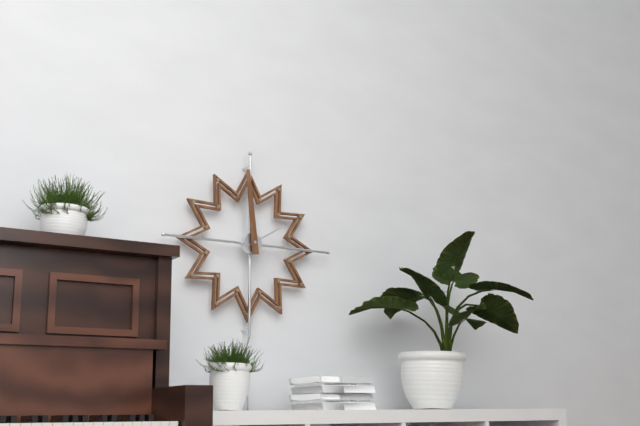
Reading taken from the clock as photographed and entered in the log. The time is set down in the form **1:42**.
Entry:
**1:59**
